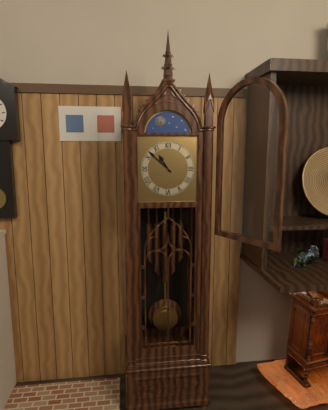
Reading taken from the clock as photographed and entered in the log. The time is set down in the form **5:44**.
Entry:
**10:52**
